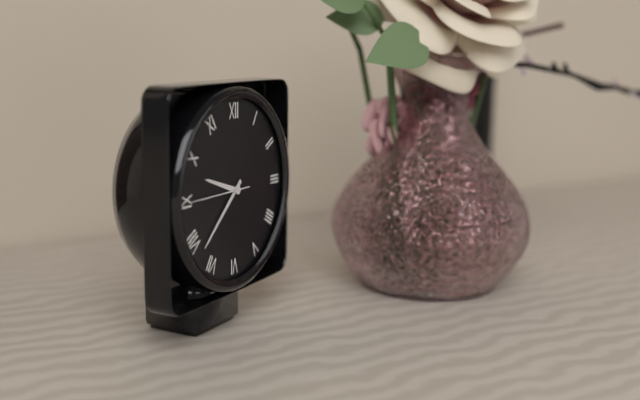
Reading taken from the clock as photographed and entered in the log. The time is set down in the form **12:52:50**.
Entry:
**9:38:45**
